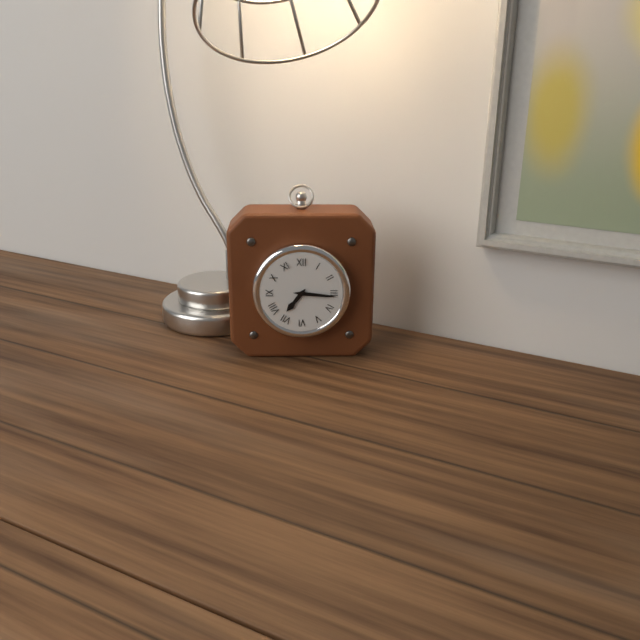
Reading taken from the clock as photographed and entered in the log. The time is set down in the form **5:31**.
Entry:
**7:16**
